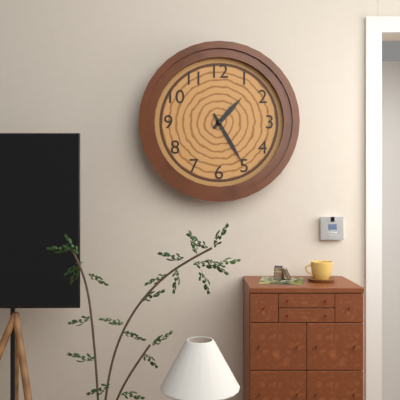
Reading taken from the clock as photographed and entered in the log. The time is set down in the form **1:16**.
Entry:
**1:25**
